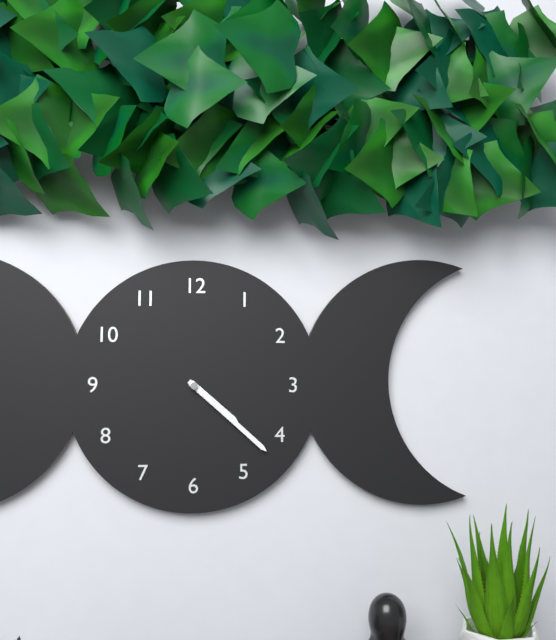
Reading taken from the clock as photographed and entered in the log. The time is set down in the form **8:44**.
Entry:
**4:22**
